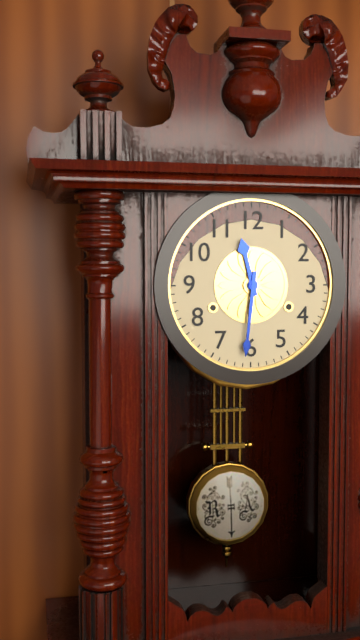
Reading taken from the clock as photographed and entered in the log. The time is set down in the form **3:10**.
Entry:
**11:31**
